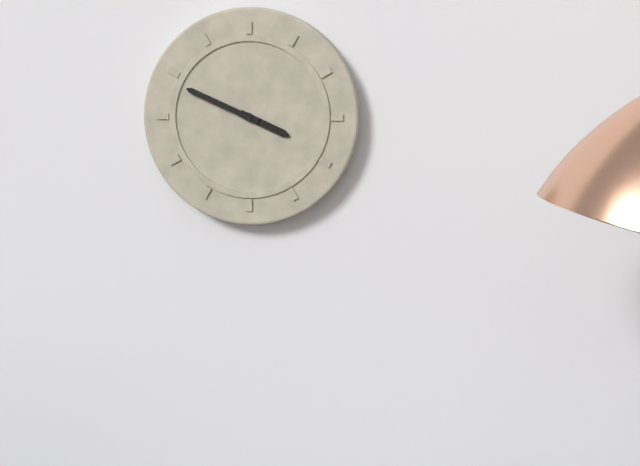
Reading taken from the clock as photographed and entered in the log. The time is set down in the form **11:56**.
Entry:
**3:49**
